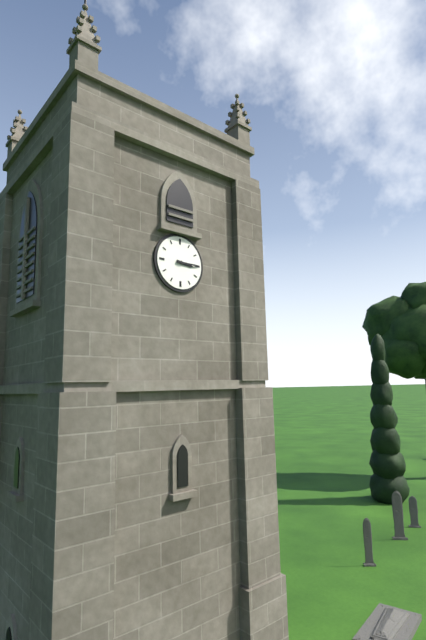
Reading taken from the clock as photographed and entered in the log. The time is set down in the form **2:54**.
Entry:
**3:15**
